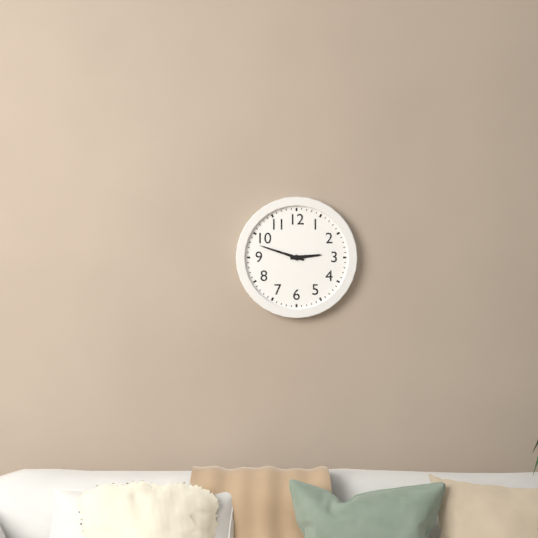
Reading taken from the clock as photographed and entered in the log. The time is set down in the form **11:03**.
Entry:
**2:48**
